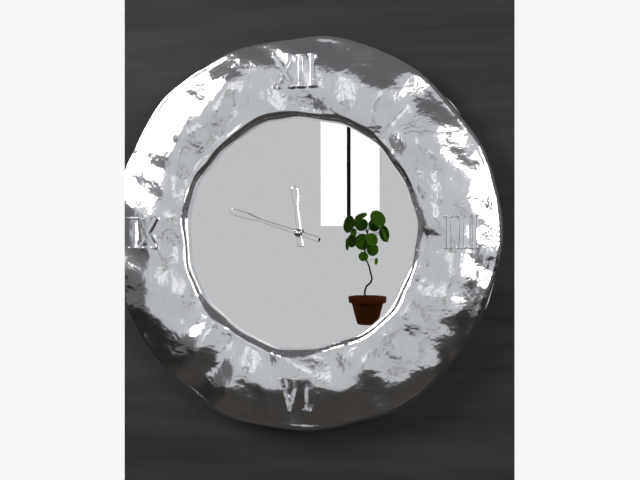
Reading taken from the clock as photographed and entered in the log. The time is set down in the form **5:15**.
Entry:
**11:48**
